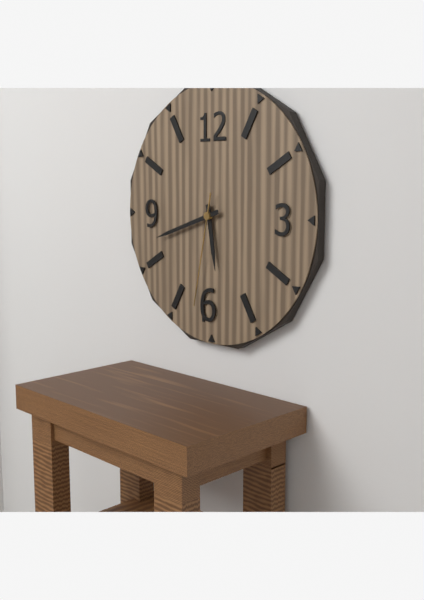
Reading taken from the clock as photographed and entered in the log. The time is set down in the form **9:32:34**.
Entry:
**5:42:32**
